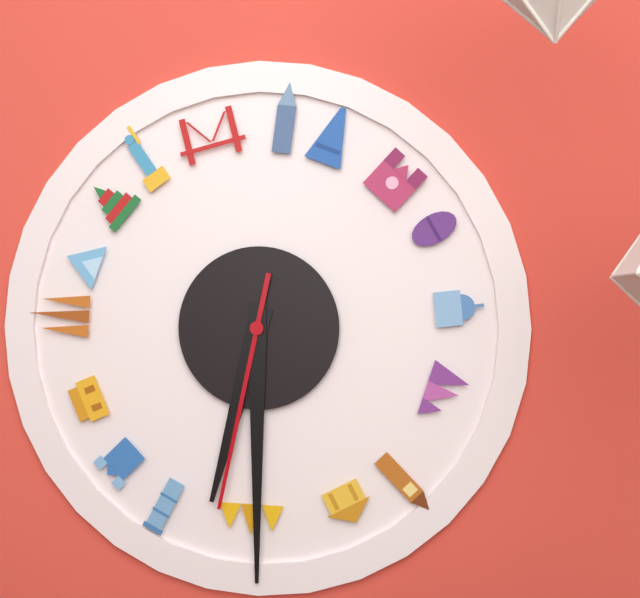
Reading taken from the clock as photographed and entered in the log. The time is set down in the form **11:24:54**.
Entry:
**6:30:32**
